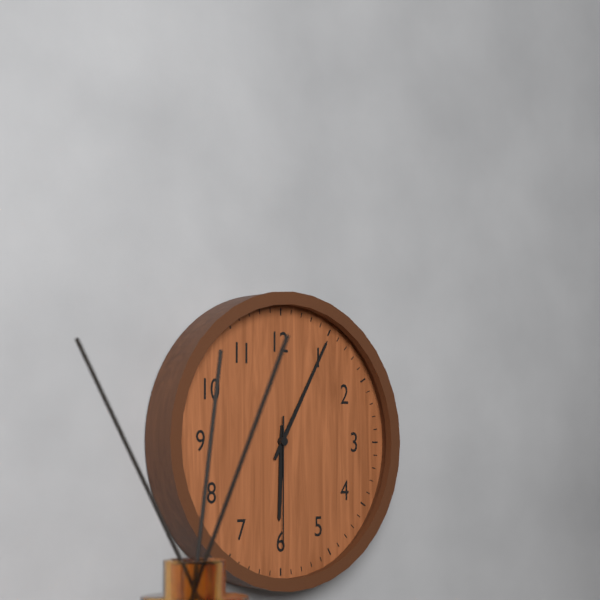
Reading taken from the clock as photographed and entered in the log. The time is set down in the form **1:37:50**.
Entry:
**6:05:30**
